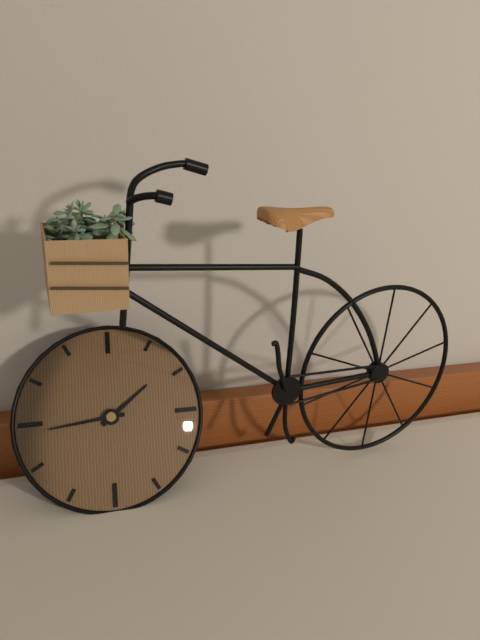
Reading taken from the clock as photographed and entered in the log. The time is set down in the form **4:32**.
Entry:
**1:44**
